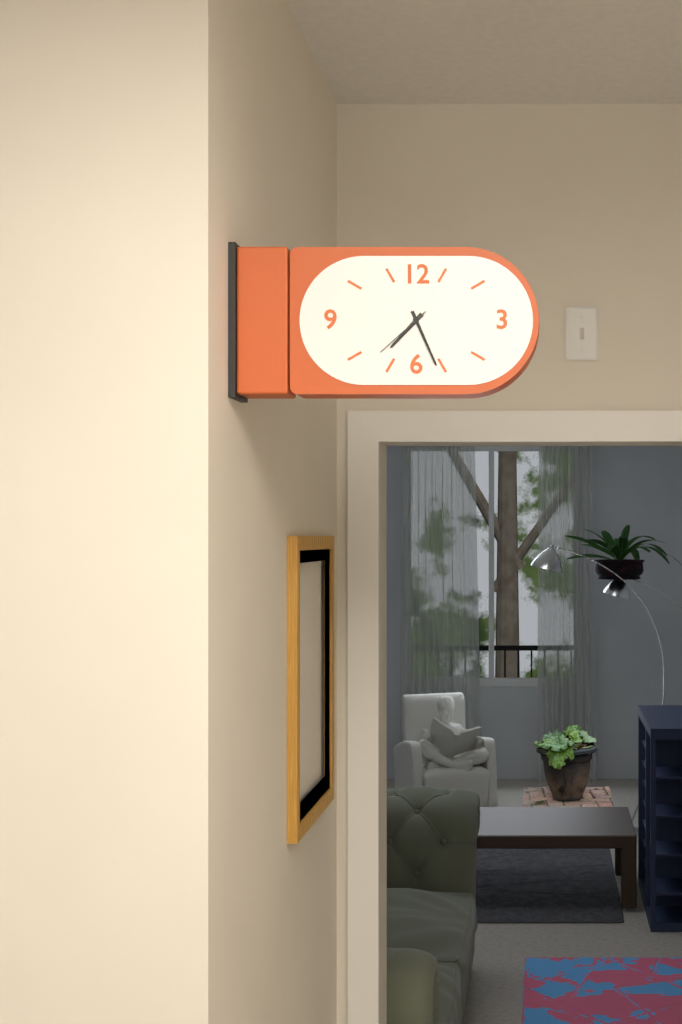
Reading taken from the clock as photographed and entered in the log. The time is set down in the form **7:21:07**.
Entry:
**7:26:38**
